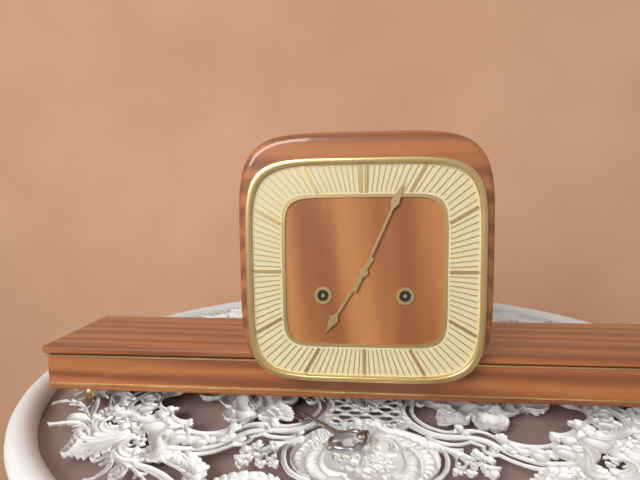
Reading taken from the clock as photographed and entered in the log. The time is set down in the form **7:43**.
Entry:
**7:04**
